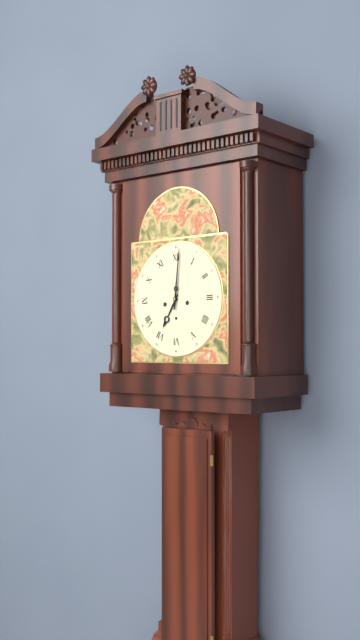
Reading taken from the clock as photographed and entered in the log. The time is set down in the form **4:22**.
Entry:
**7:01**
